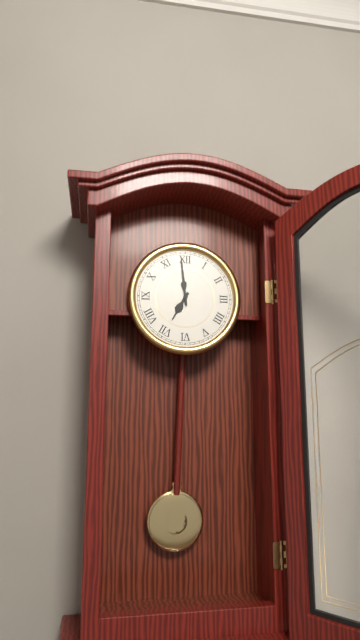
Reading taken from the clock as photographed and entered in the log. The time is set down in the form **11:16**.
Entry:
**6:59**
